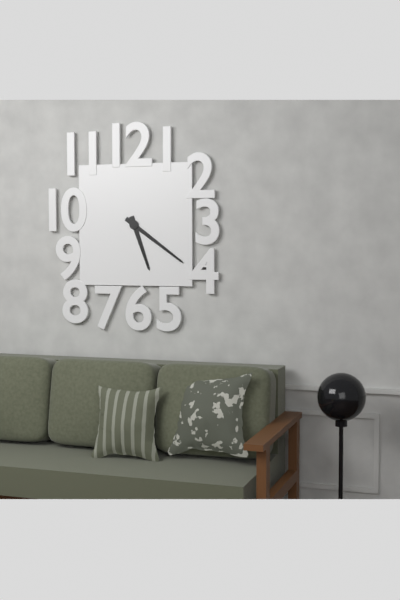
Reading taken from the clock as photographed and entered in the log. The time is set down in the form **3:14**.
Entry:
**5:21**
